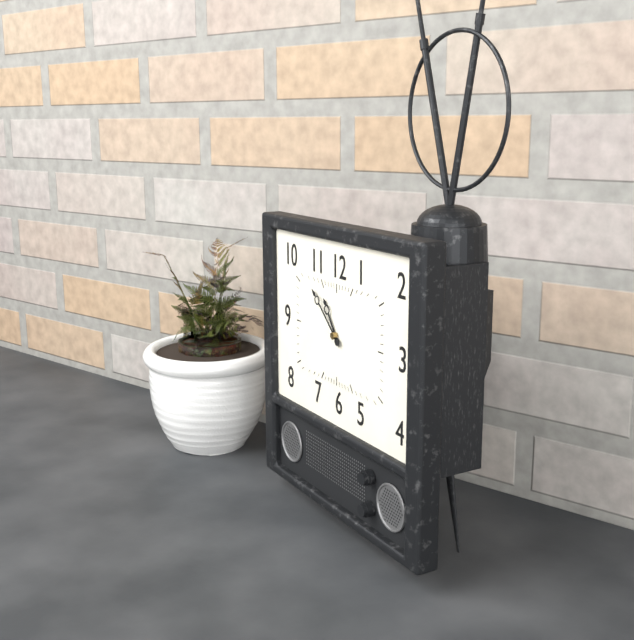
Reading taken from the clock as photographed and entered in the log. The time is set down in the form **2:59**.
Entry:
**10:52**
